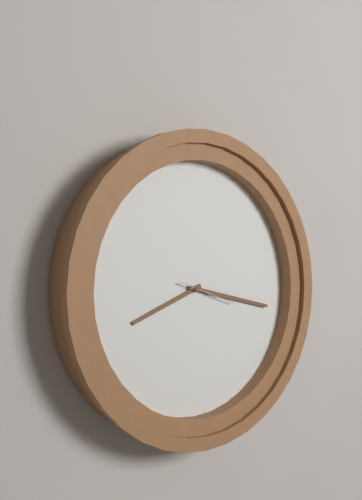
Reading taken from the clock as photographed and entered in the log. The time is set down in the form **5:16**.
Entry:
**8:17**
